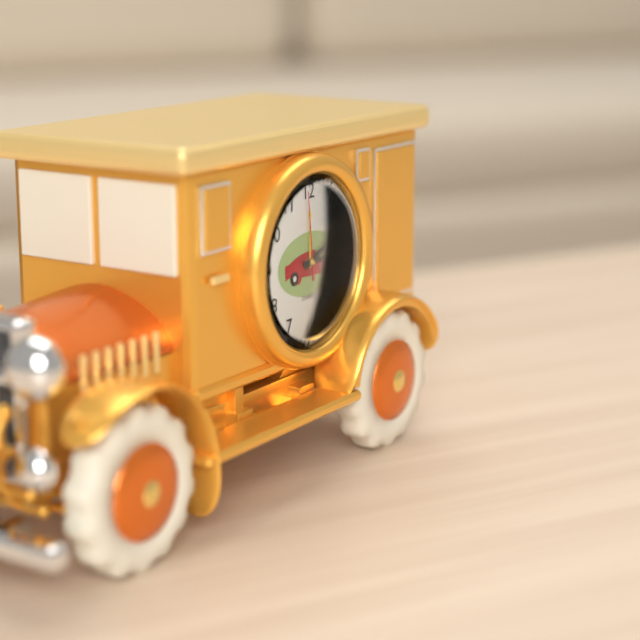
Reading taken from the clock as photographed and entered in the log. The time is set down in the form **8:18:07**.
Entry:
**2:15:59**
